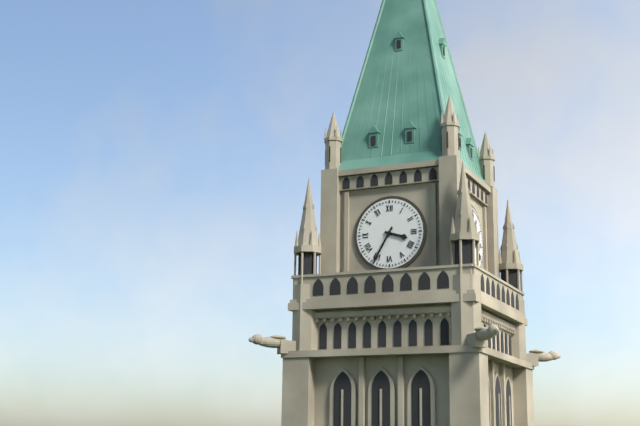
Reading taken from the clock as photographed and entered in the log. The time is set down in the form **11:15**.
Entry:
**3:35**
